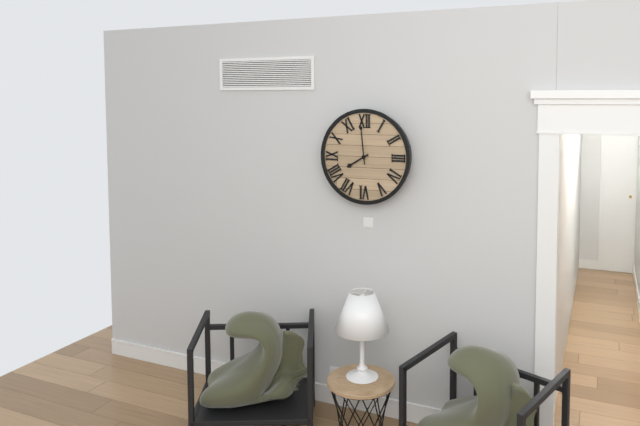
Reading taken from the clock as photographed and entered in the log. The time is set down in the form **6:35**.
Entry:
**7:59**
